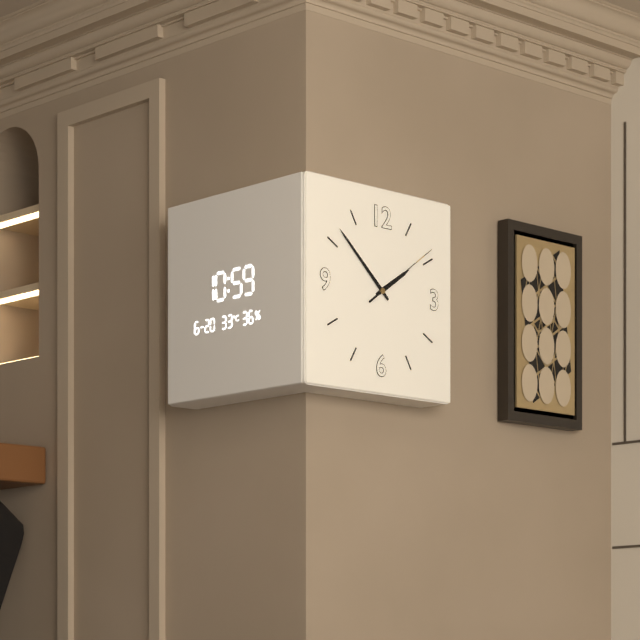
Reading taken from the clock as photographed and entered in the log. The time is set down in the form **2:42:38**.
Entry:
**1:52:09**
